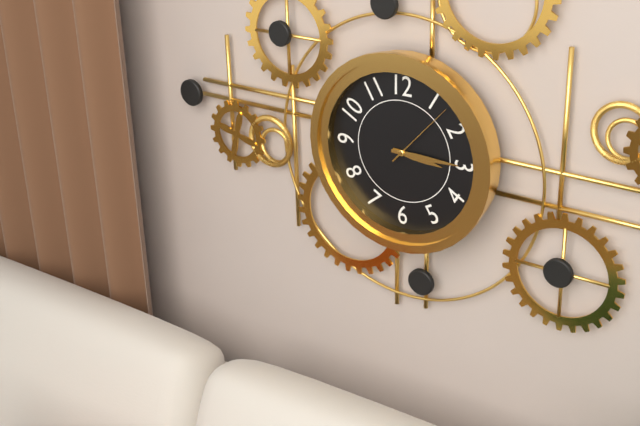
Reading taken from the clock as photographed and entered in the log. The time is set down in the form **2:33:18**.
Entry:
**3:15:07**
